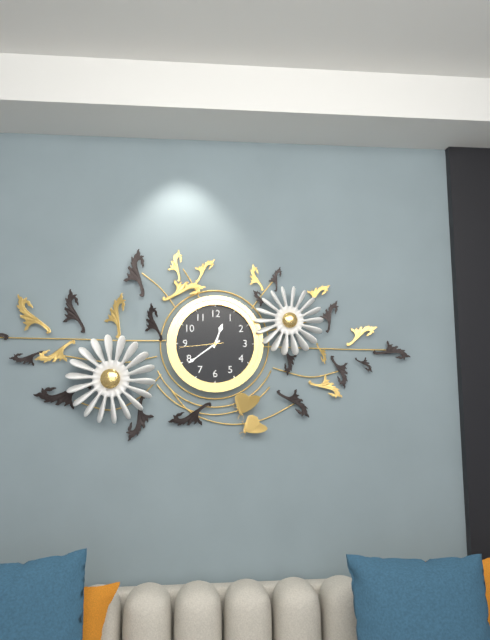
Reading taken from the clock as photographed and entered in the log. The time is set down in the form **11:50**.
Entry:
**12:39**
